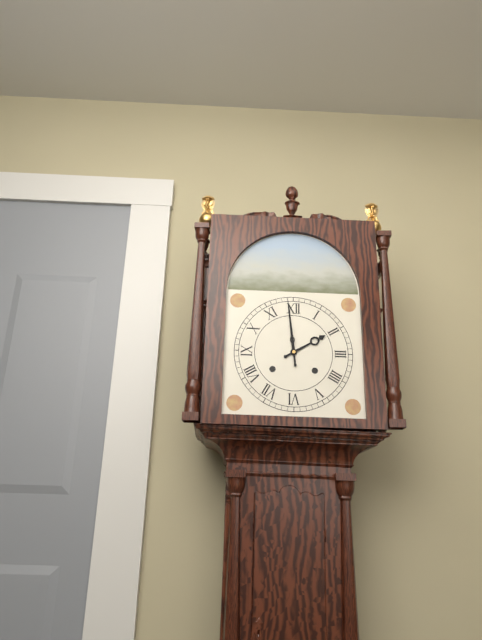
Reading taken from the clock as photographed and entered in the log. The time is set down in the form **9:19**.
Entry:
**1:59**
